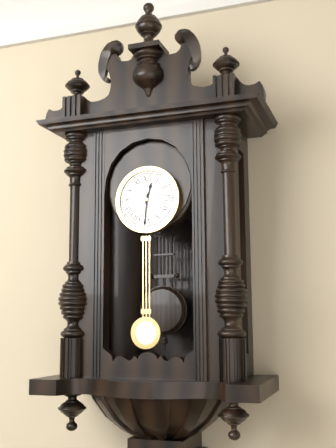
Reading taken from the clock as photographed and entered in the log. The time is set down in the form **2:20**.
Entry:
**12:31**
